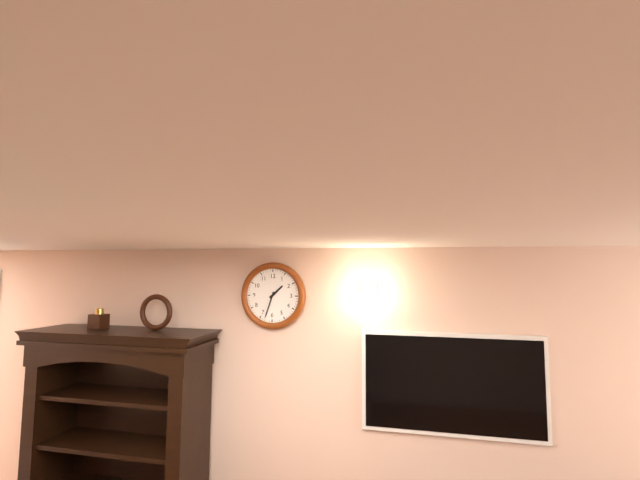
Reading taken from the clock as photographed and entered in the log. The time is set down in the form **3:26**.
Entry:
**1:33**
